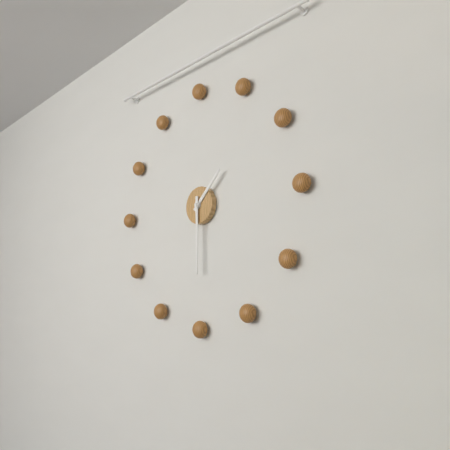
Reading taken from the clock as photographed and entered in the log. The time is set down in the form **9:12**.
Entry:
**1:30**
